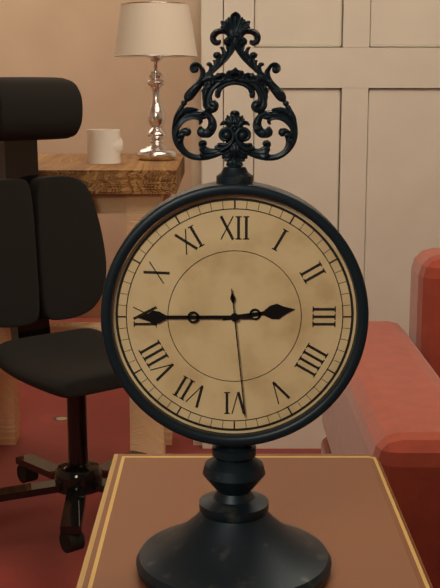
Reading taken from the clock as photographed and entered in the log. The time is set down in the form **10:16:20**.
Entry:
**2:45:29**
